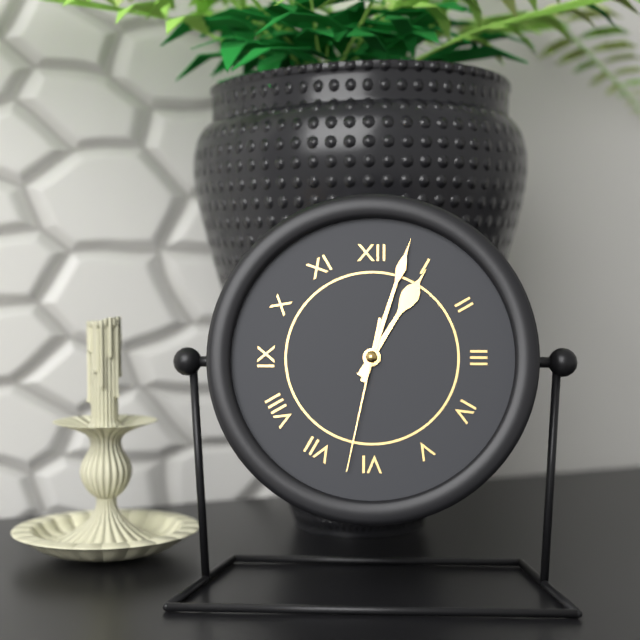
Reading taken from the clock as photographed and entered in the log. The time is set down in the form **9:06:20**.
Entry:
**1:03:32**
